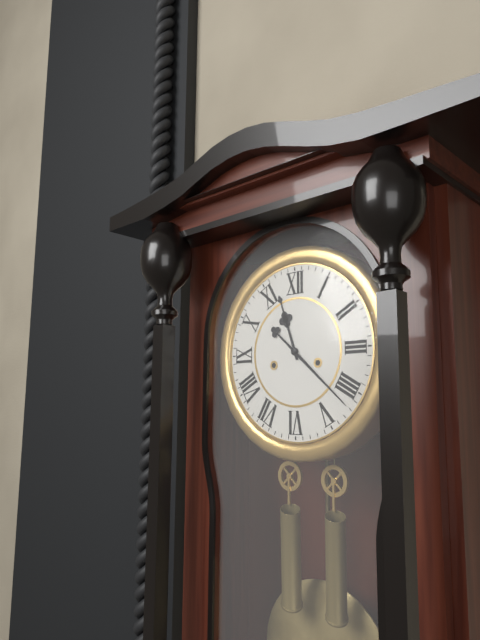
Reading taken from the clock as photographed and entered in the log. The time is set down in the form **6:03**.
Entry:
**11:22**
